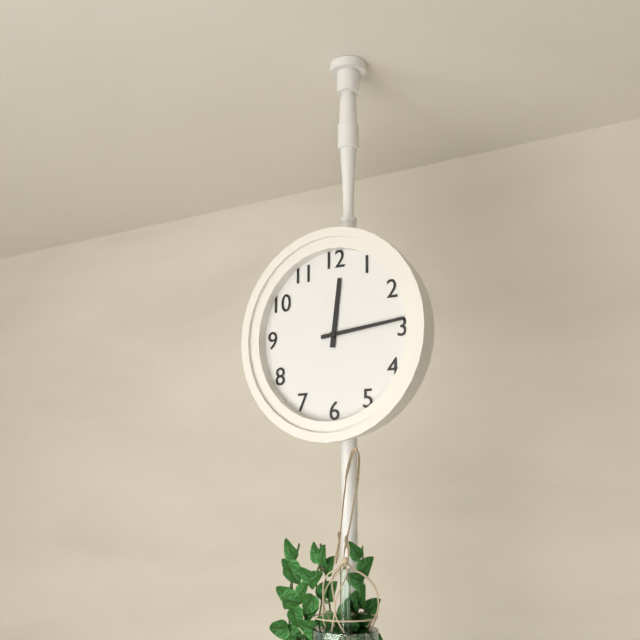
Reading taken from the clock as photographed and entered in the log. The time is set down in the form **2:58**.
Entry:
**12:14**
